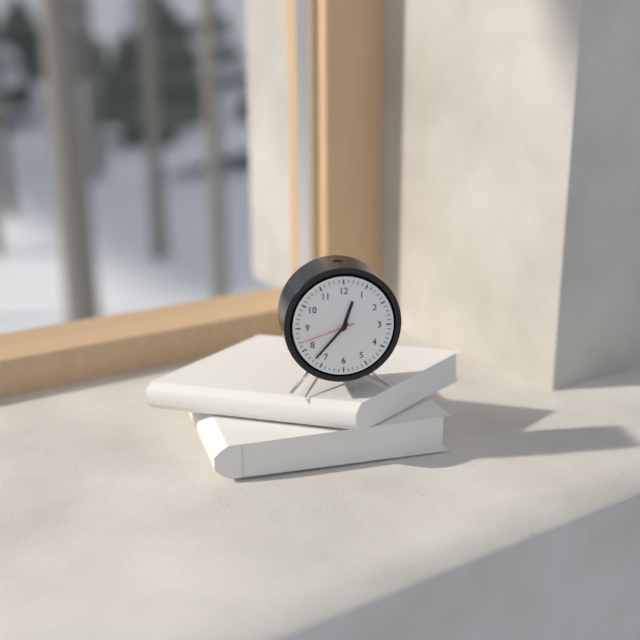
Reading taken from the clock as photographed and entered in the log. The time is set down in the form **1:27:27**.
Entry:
**12:37:42**
